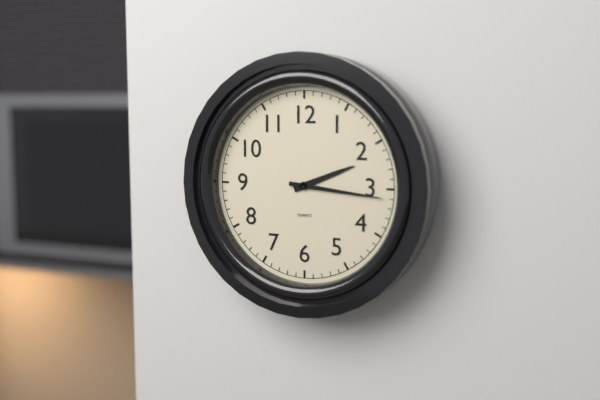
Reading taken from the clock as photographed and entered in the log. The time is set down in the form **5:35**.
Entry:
**2:16**
